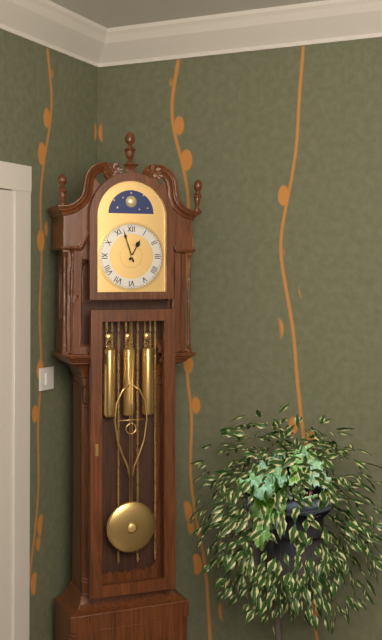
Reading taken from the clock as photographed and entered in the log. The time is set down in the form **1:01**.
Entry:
**12:57**
